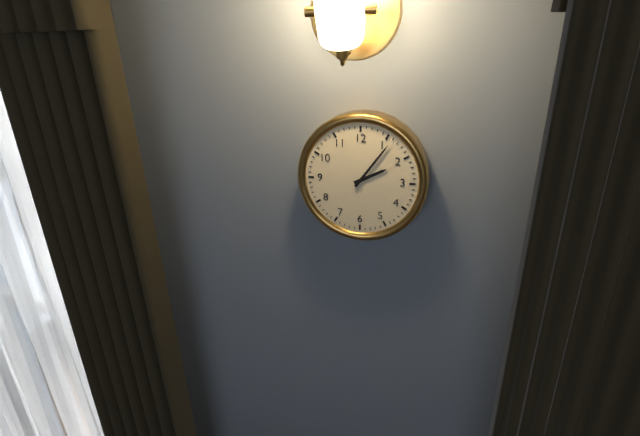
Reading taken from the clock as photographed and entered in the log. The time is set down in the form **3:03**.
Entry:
**2:06**
